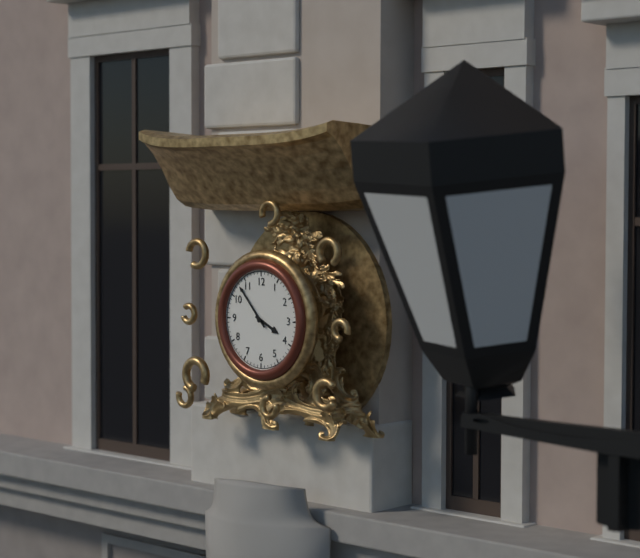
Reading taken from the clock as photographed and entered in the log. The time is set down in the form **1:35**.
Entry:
**3:53**
